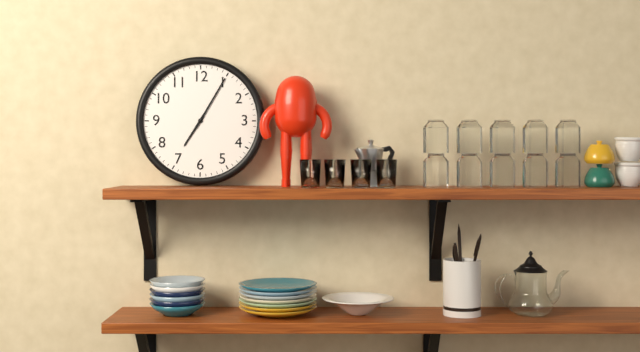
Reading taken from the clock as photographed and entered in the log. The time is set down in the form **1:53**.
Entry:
**7:05**
